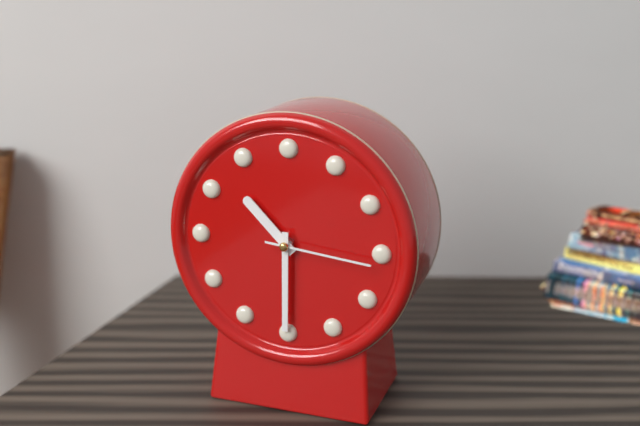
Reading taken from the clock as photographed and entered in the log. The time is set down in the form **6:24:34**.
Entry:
**10:30:16**
